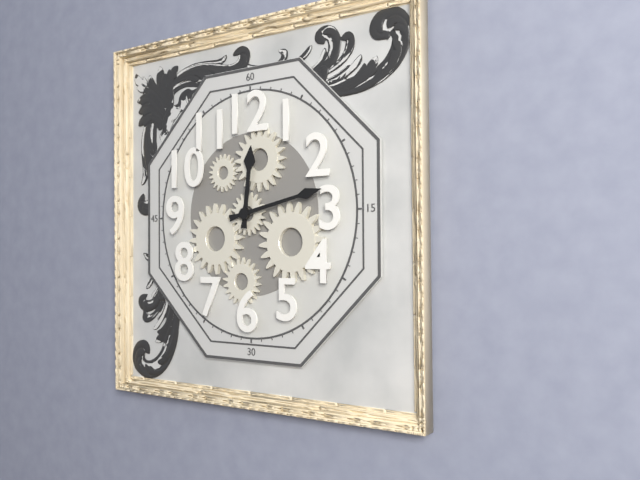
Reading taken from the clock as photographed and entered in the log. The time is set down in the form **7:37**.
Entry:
**12:13**
